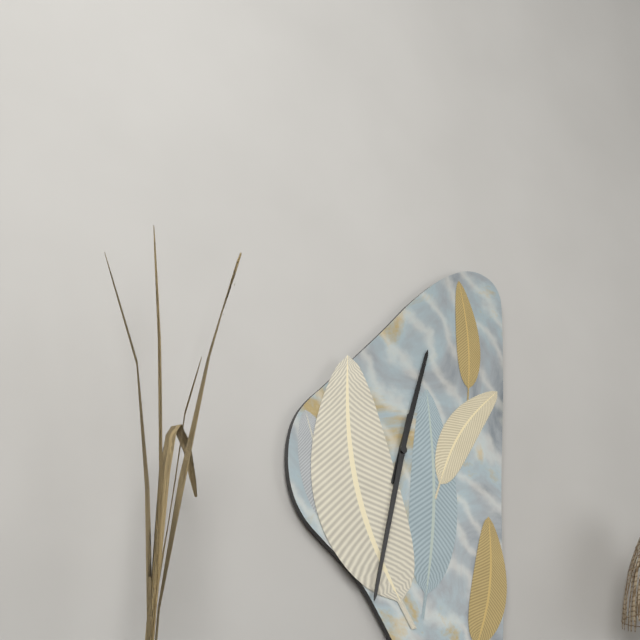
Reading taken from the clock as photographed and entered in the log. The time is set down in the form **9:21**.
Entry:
**12:32**
